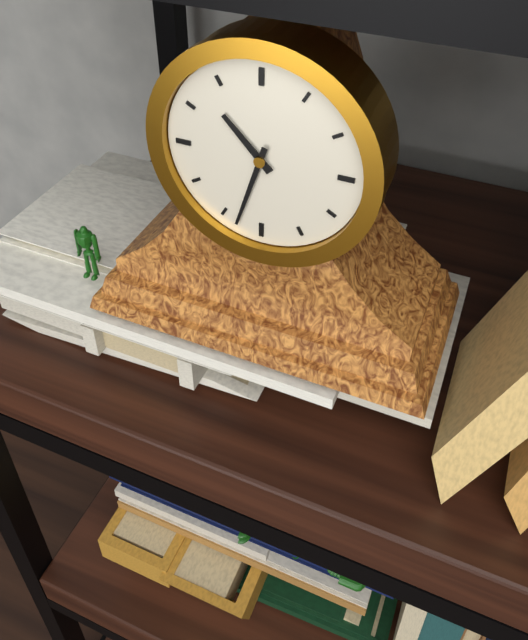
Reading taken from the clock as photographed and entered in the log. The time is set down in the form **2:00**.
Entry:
**10:33**
